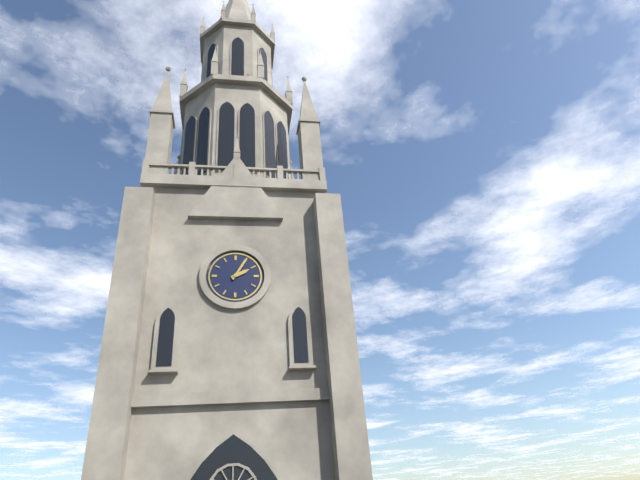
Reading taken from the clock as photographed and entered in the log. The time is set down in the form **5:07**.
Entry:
**2:05**
